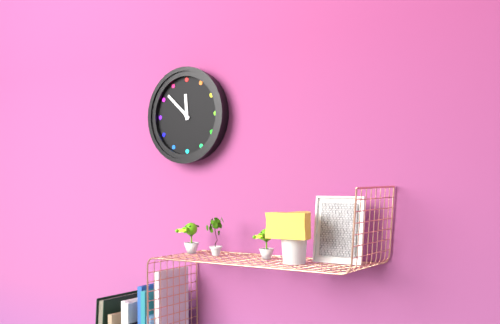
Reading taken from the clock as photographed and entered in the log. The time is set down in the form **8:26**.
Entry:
**11:52**
